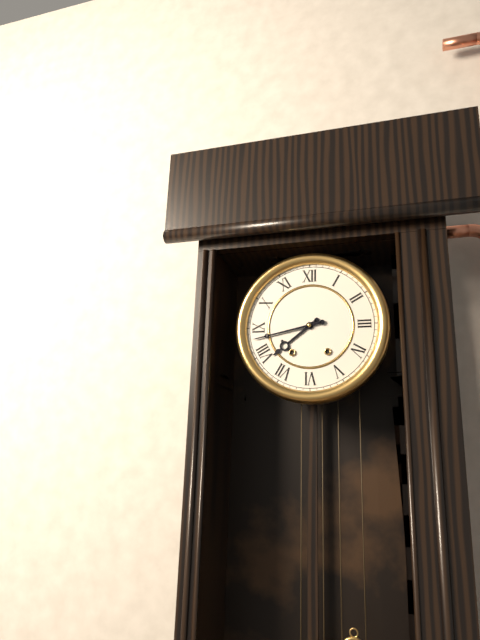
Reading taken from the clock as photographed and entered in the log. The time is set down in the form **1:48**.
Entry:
**7:43**
